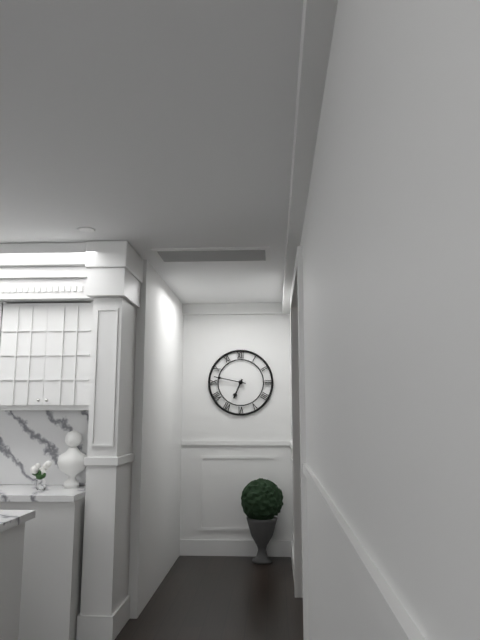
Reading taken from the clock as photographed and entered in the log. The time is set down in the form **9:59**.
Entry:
**6:47**
